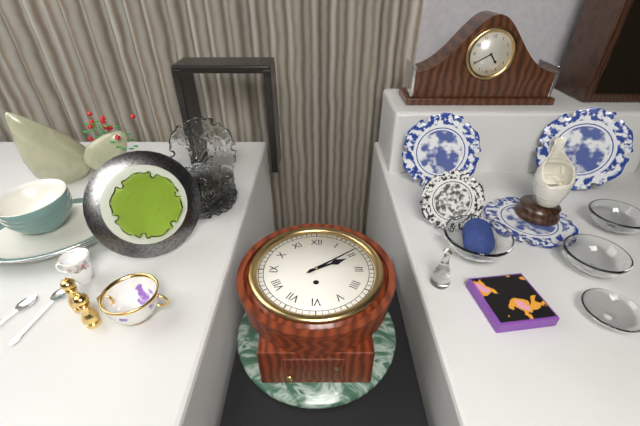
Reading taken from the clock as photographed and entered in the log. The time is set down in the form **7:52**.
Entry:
**2:09**
